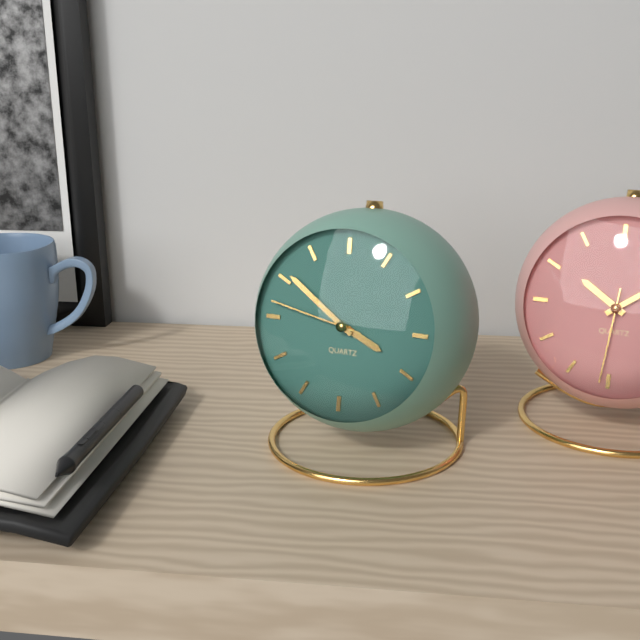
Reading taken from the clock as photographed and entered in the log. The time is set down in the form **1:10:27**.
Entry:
**3:51:47**
